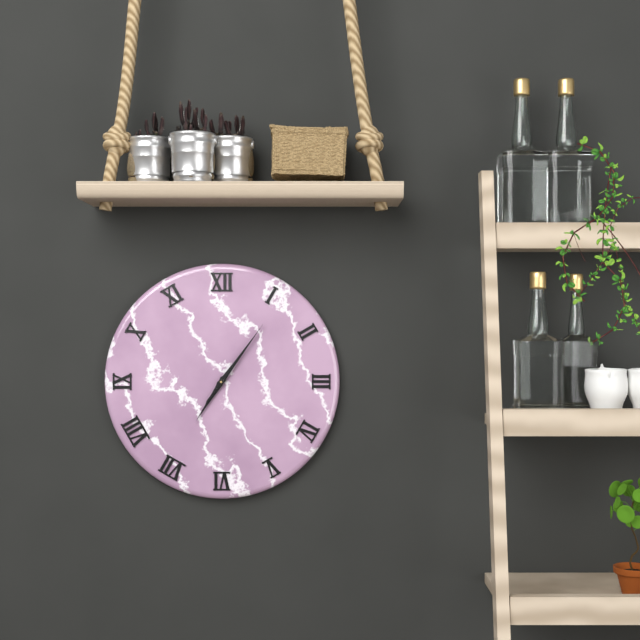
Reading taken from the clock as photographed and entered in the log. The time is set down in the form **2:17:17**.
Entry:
**7:06:06**
